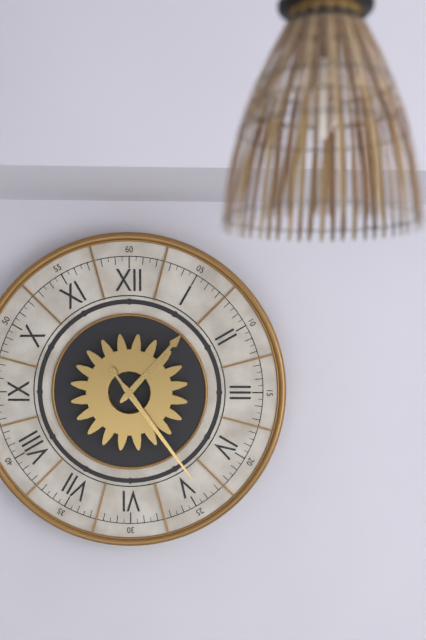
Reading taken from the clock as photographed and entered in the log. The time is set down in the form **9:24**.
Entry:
**1:24**
